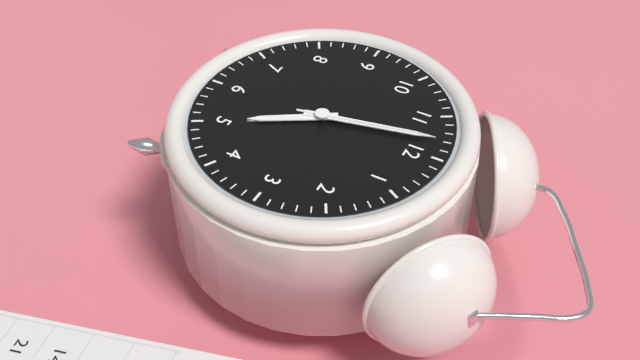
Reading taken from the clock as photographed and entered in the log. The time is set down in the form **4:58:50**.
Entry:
**4:58:58**
